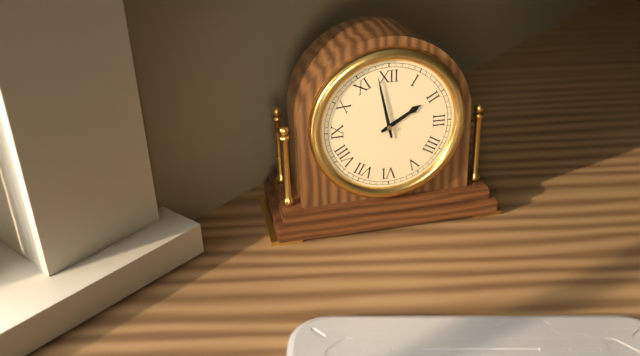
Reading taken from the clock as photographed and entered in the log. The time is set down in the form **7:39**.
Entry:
**1:58**
